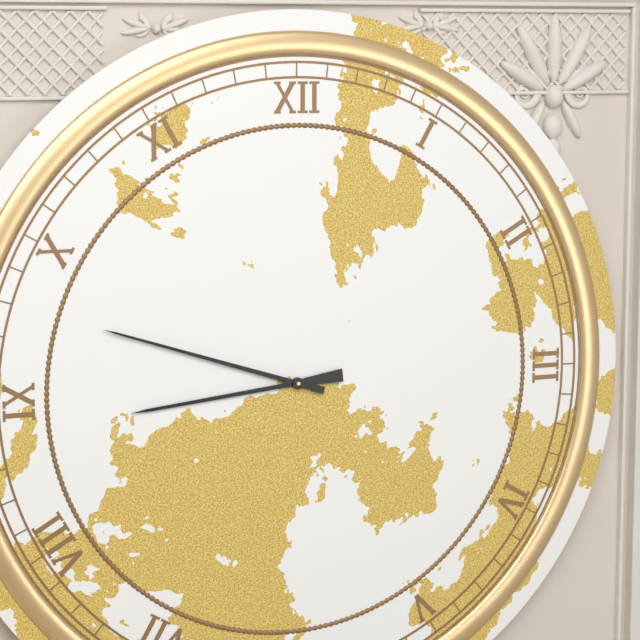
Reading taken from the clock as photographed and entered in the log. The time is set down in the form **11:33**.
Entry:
**8:48**
